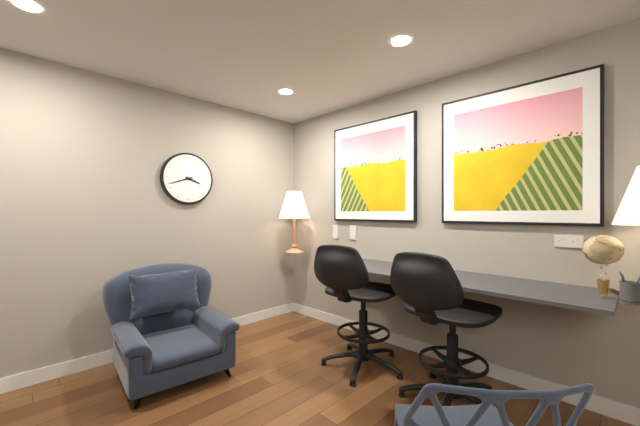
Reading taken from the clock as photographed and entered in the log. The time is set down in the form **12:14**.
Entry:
**3:42**
